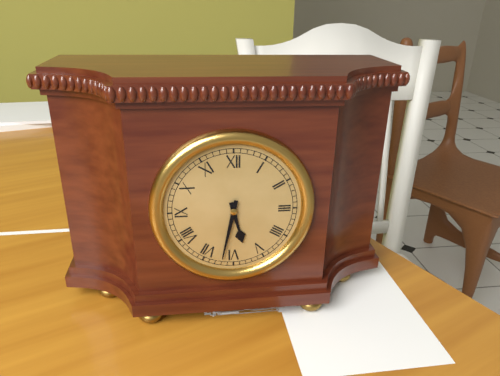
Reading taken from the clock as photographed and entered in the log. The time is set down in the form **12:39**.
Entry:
**5:32**
